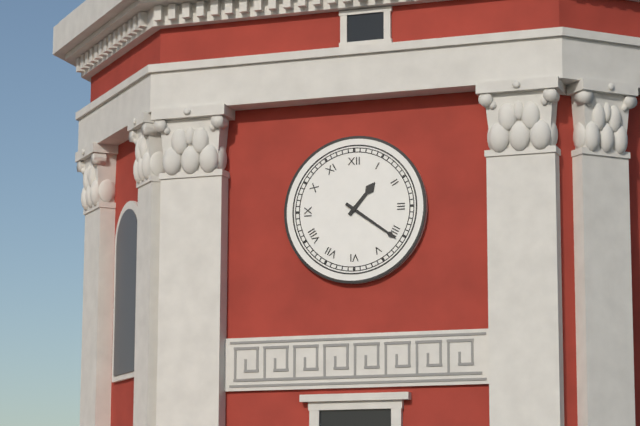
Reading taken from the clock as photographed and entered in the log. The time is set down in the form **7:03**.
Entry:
**1:21**
